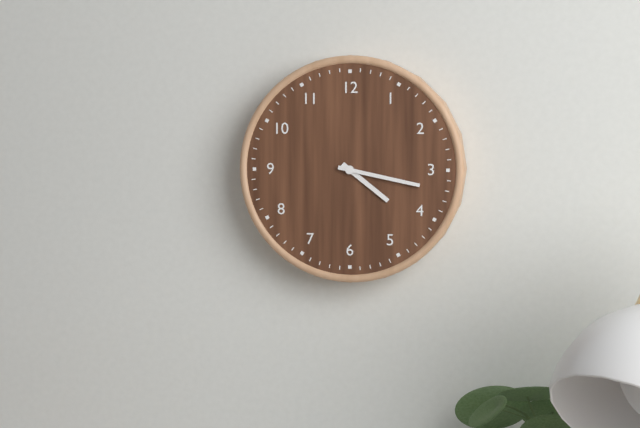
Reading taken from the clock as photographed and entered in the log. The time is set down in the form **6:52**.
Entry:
**4:17**
